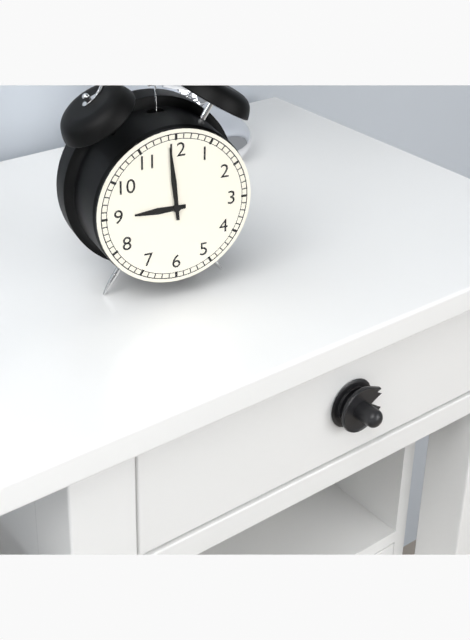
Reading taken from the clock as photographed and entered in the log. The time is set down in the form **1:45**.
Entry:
**8:59**
